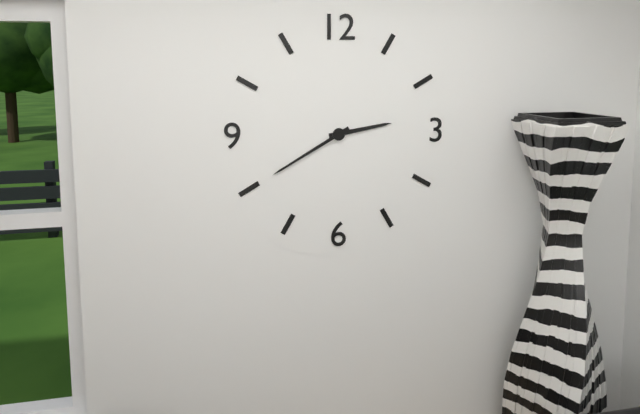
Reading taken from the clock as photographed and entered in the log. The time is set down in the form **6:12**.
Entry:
**2:40**
